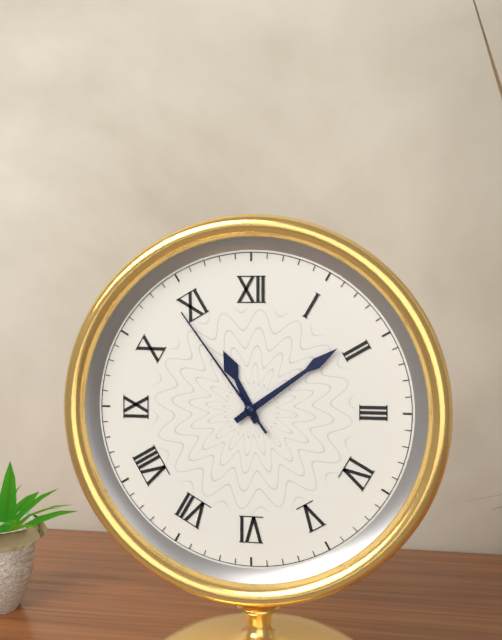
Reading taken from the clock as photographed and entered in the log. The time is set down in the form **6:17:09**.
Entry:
**11:09:54**
